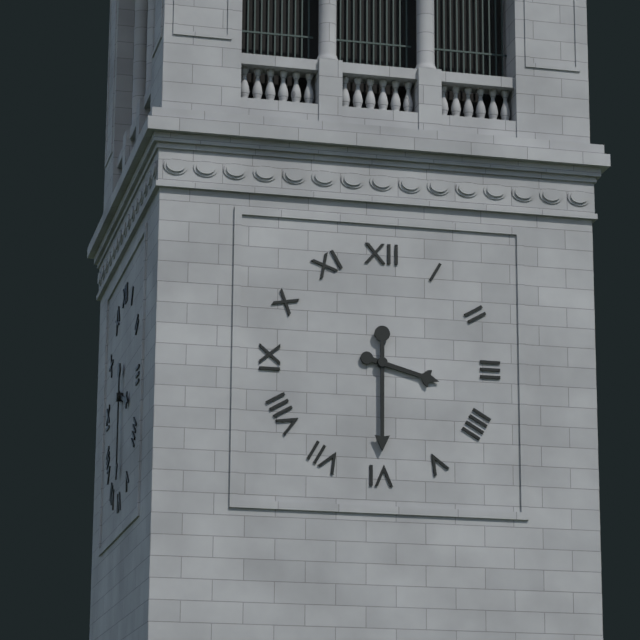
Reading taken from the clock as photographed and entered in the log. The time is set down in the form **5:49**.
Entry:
**3:30**
